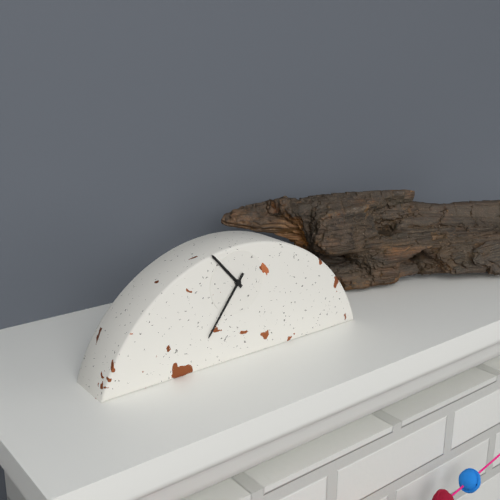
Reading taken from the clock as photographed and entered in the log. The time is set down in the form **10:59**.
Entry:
**10:36**
